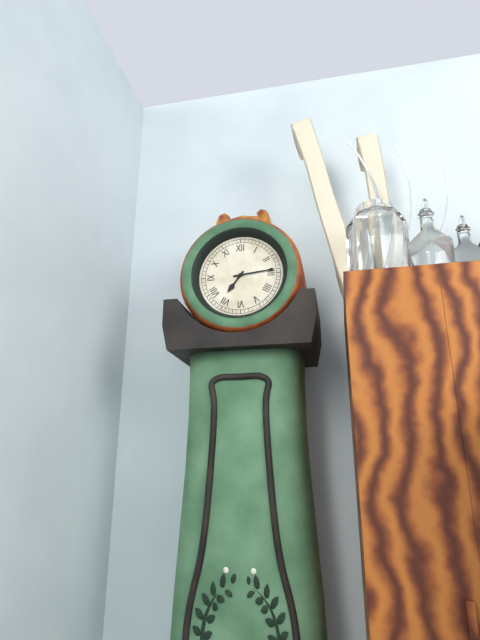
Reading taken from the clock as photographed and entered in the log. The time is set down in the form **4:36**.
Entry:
**7:14**
